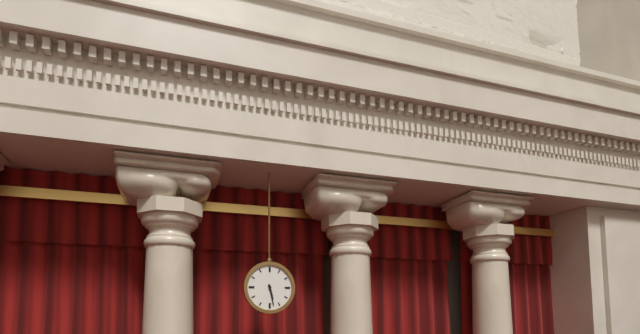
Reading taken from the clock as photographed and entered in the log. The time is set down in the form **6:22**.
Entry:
**5:28**
